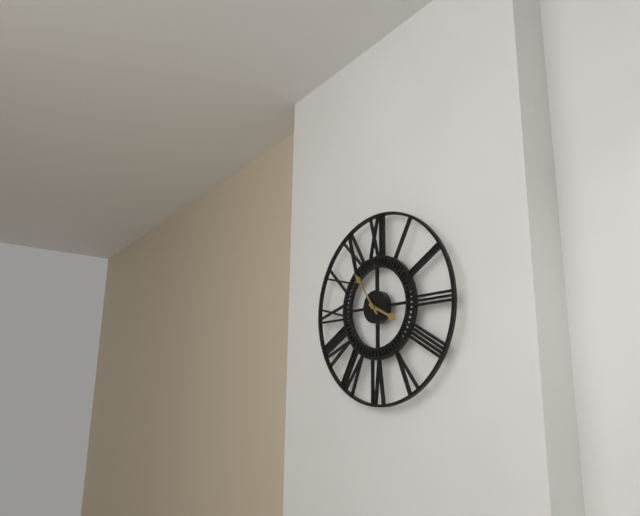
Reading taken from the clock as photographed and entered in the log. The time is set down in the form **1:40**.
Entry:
**3:54**
